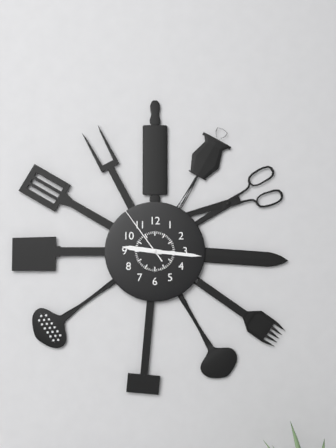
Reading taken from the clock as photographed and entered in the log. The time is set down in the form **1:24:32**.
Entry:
**9:16:54**
